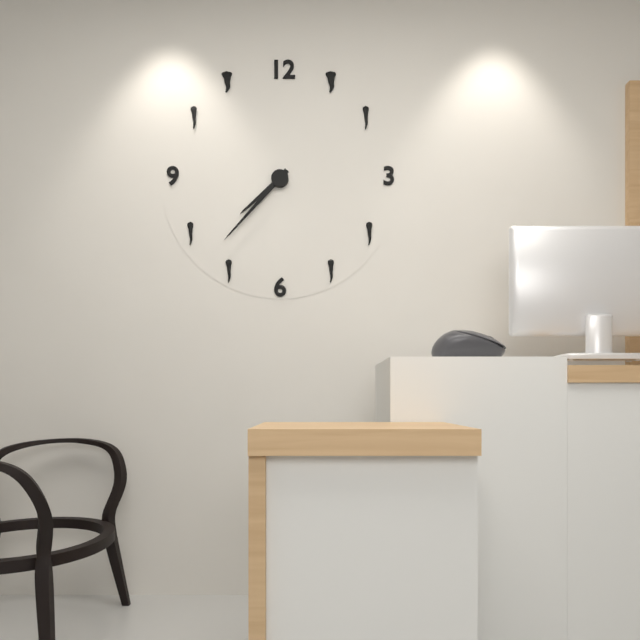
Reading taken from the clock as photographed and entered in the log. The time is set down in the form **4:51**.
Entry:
**7:37**
